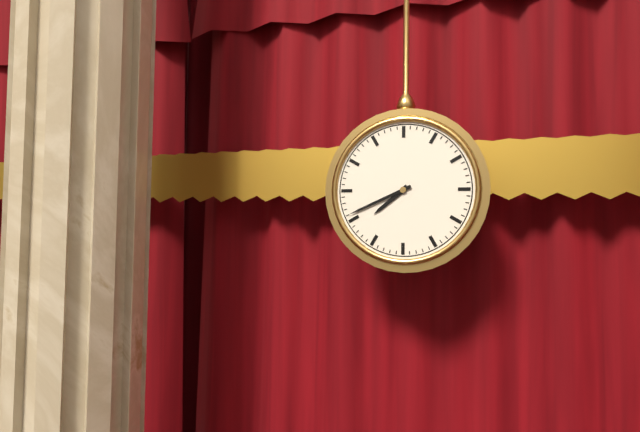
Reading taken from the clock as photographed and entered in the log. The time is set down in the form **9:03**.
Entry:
**7:41**
